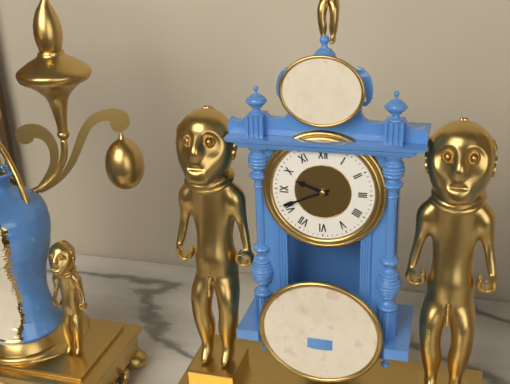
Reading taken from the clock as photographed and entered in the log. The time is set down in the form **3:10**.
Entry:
**9:41**
